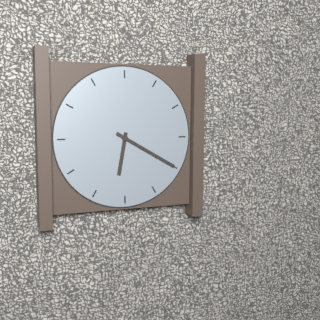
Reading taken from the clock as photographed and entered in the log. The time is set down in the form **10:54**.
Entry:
**6:20**
